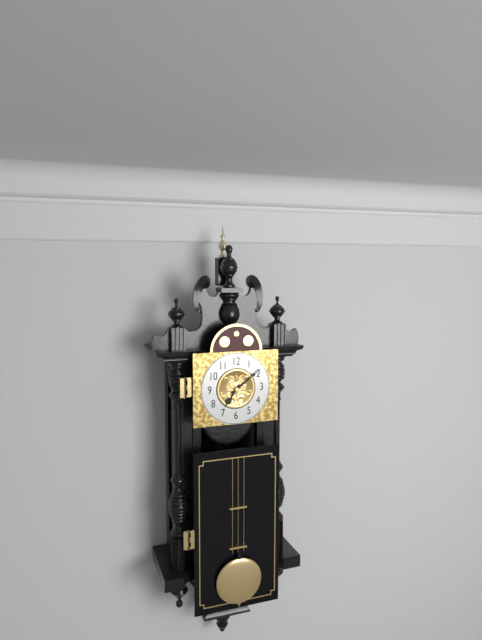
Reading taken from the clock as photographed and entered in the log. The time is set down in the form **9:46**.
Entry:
**7:09**
